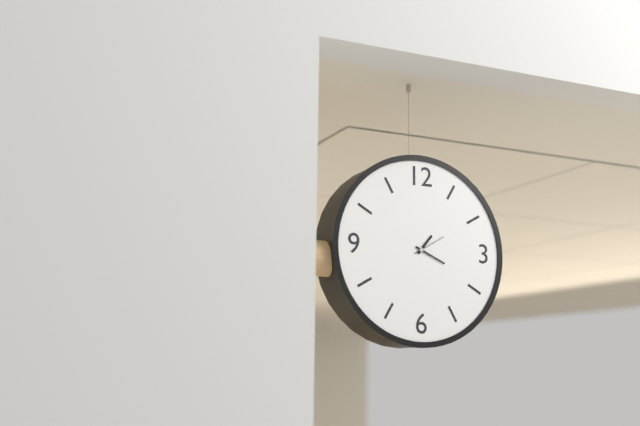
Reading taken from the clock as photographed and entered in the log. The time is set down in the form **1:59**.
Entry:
**1:19**
